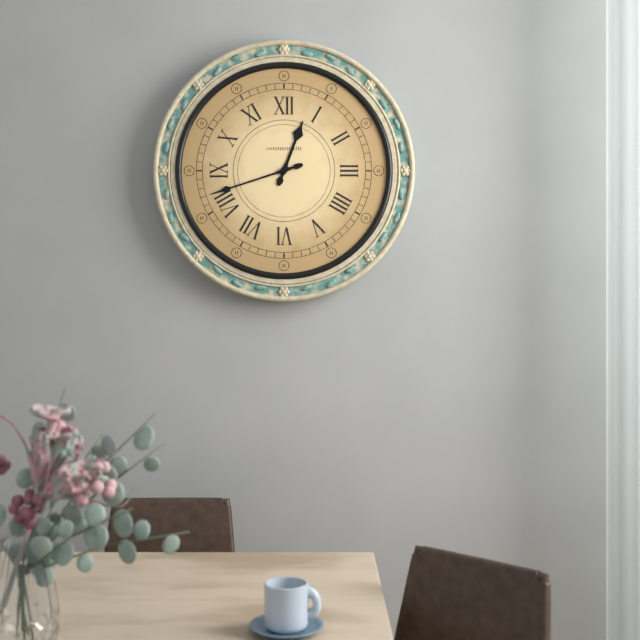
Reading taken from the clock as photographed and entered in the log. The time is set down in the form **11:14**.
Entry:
**12:42**
